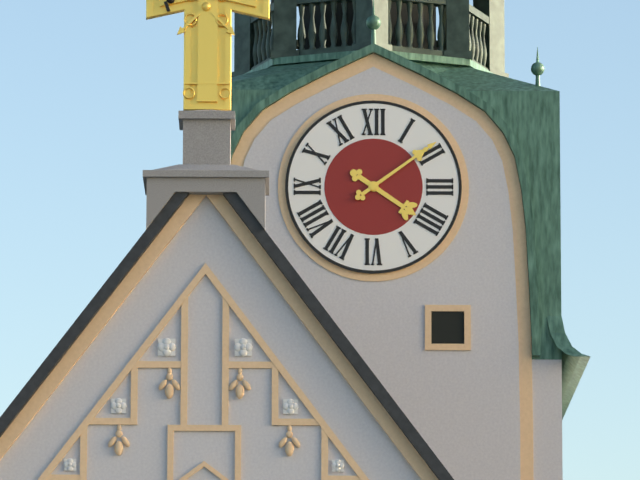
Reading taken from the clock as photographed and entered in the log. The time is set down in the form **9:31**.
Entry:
**4:09**
